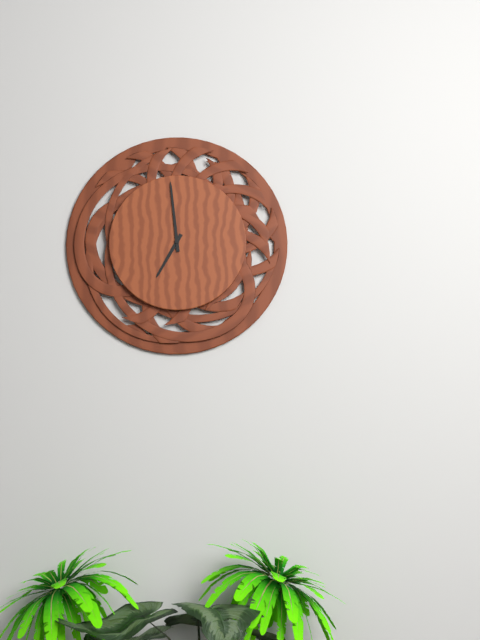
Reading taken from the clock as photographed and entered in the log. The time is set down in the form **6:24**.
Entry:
**6:59**
